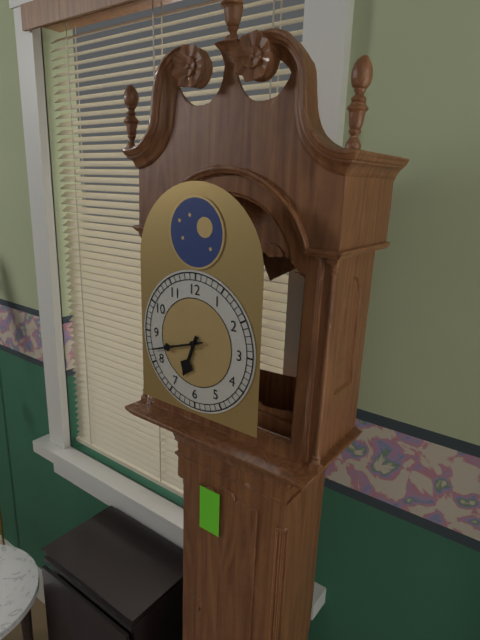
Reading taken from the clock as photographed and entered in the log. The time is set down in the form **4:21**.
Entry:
**6:42**
